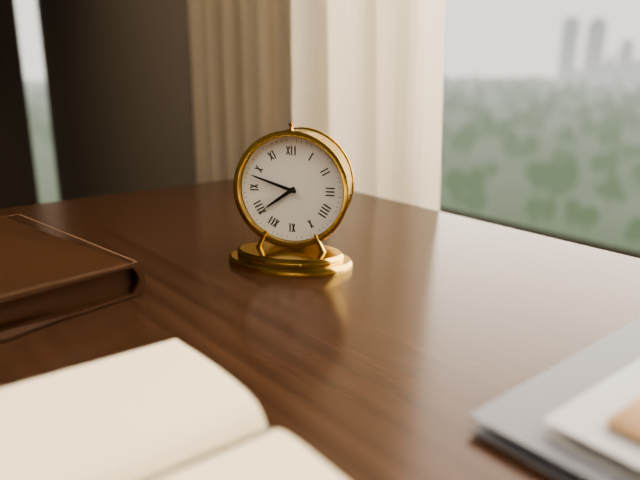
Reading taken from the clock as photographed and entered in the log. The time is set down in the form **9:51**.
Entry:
**7:48**
